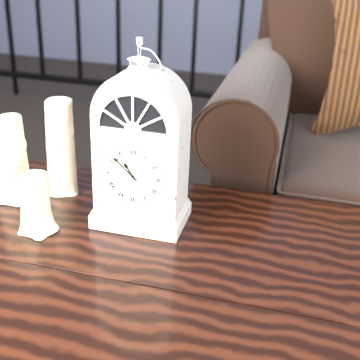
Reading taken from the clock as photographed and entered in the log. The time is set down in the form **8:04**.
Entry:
**10:52**
